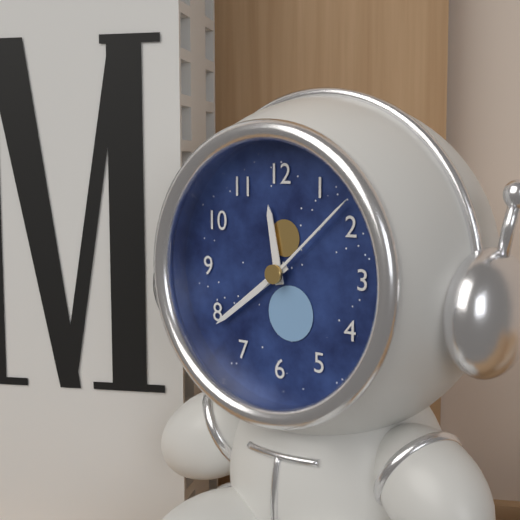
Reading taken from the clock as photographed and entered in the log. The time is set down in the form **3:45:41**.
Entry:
**11:39:08**
